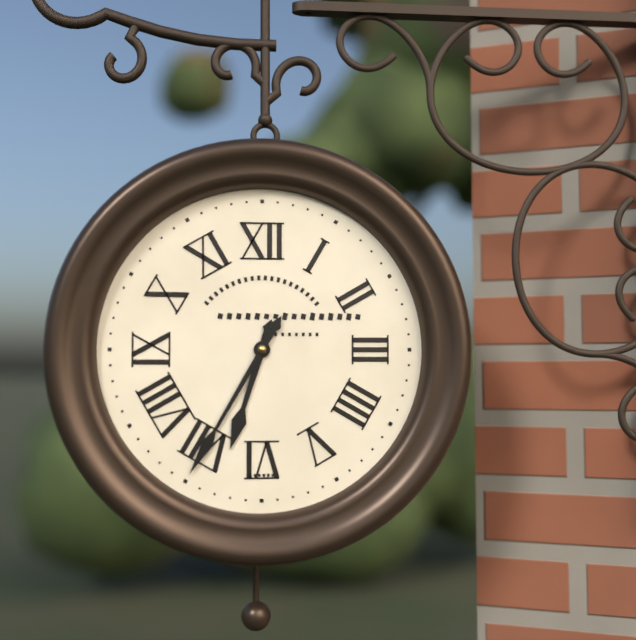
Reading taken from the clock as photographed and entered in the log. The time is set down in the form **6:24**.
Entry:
**6:35**
